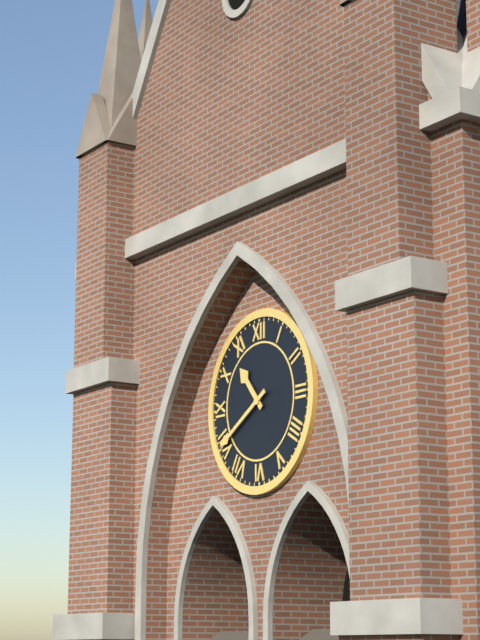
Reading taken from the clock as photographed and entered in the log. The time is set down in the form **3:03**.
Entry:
**10:40**
